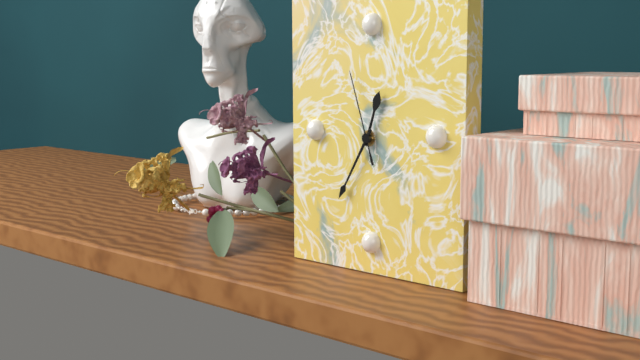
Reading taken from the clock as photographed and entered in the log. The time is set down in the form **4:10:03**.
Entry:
**12:35:57**
